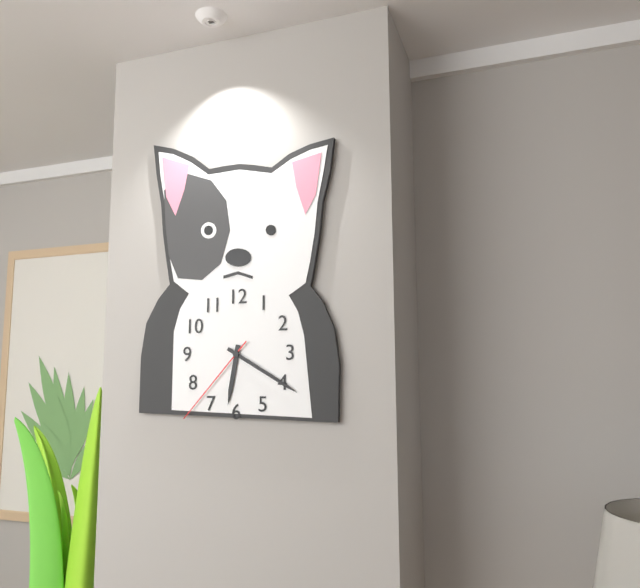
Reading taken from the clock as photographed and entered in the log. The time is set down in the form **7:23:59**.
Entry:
**6:20:37**
